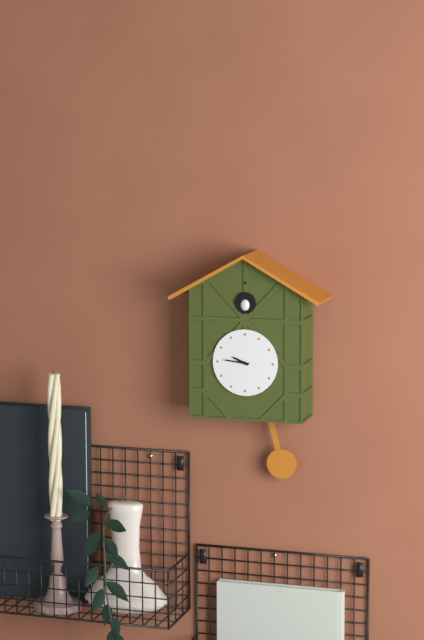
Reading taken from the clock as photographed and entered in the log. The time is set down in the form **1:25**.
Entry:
**9:46**
